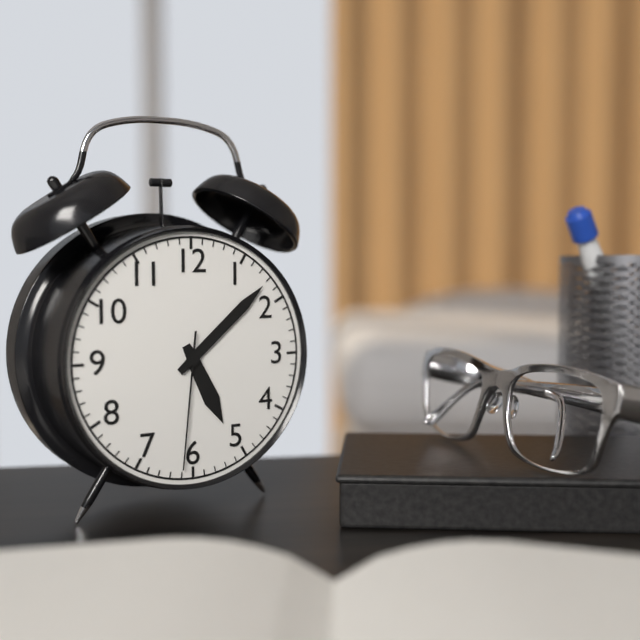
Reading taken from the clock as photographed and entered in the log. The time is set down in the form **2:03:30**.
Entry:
**5:08:31**
